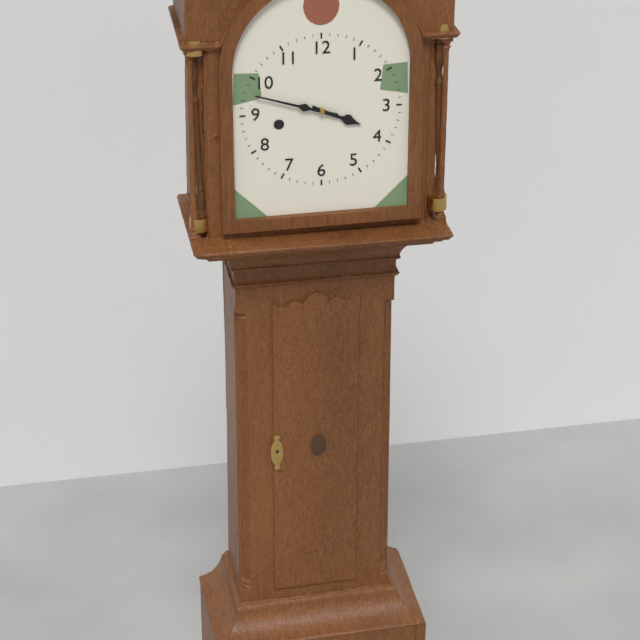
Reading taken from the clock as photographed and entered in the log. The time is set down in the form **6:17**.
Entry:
**3:48**
